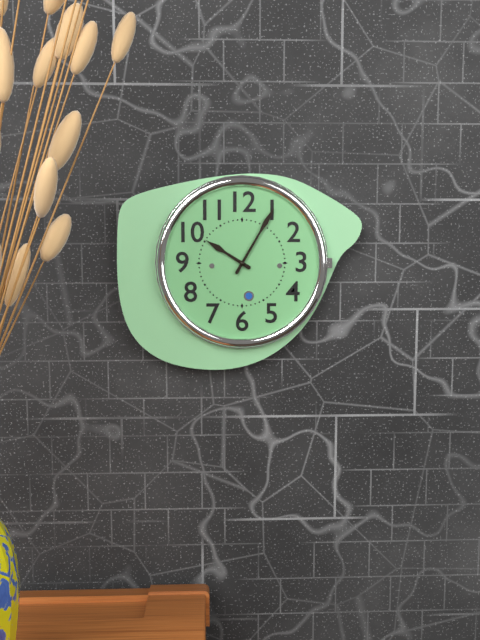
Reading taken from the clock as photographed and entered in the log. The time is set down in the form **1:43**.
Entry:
**10:05**
